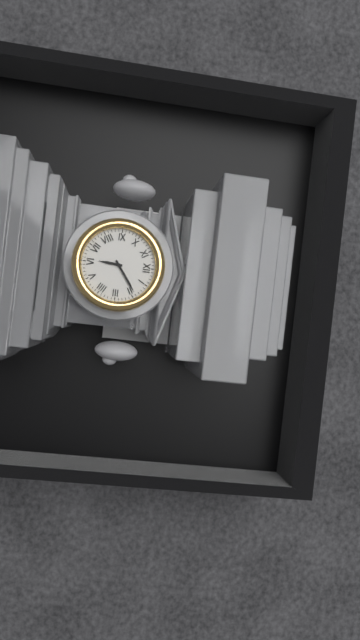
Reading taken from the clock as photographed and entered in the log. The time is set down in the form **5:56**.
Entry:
**6:09**
